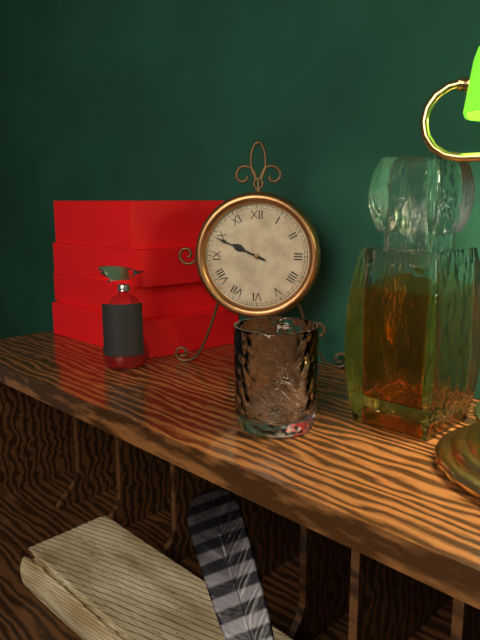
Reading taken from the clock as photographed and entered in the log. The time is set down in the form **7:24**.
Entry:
**9:49**
